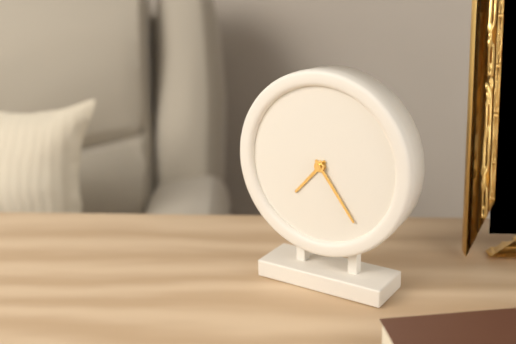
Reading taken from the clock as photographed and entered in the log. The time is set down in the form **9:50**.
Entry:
**7:24**
